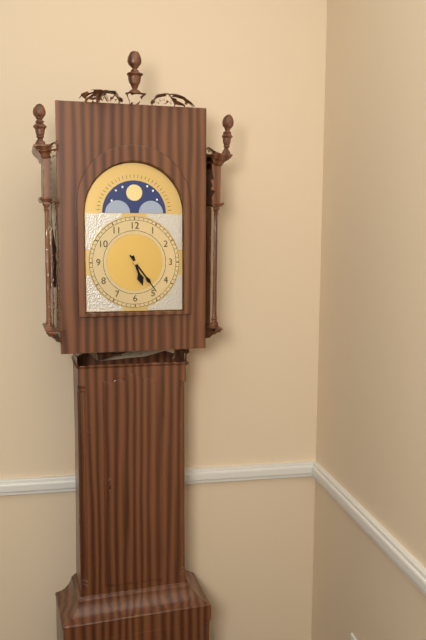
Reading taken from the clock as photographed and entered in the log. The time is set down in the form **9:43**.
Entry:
**5:24**
